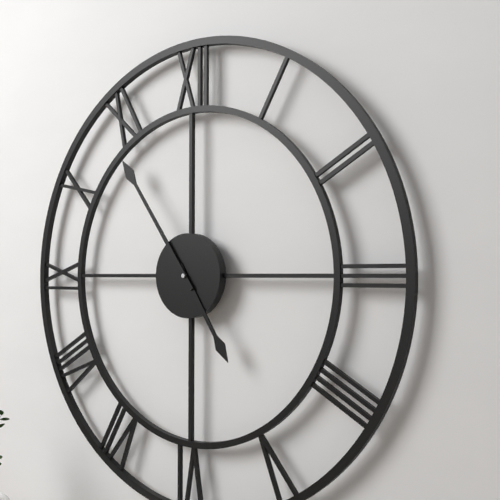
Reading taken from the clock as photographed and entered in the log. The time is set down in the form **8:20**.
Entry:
**4:54**
